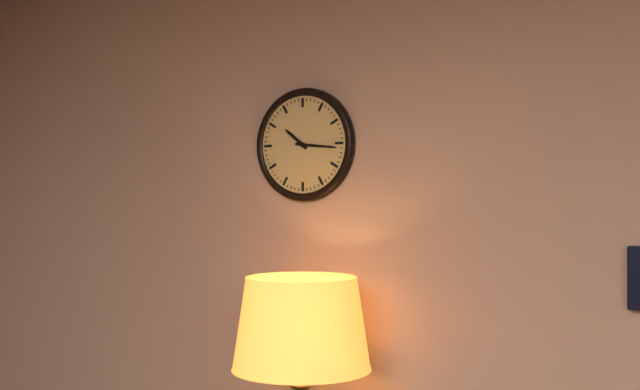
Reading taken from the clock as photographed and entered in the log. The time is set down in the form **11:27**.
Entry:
**10:16**
